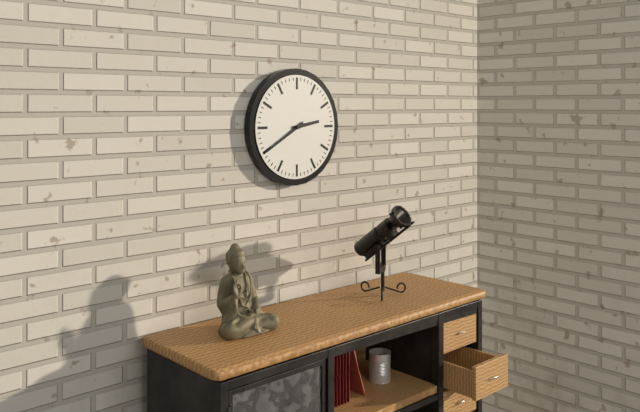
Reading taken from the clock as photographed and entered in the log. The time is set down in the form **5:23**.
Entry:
**2:40**
